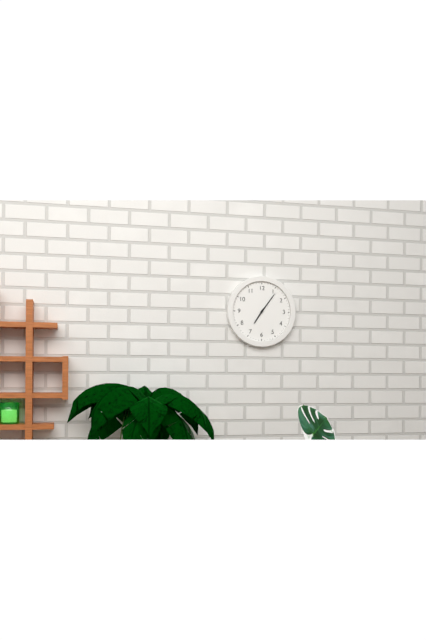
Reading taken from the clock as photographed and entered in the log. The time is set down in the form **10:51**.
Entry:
**7:06**
